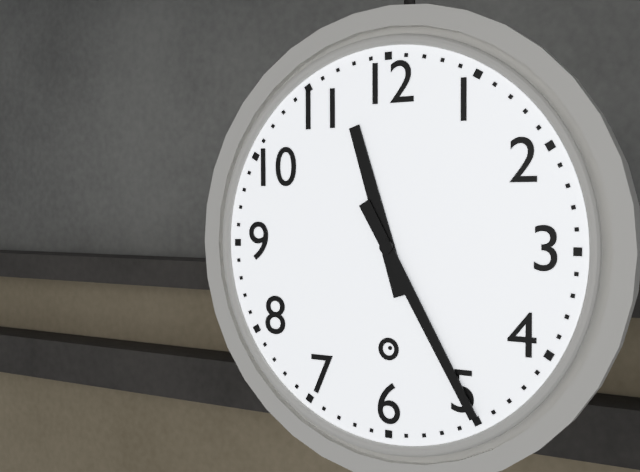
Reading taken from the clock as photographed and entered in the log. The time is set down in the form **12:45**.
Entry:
**11:25**
